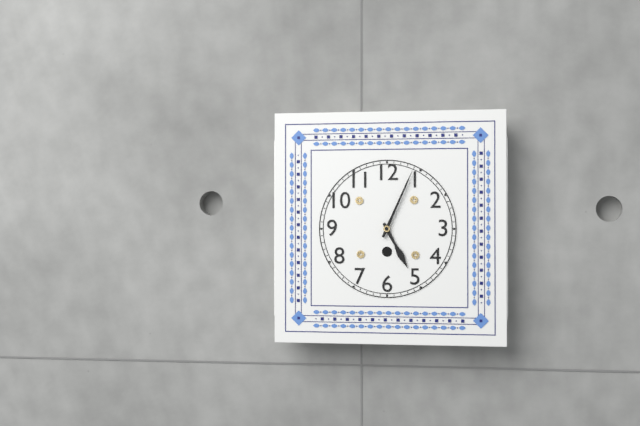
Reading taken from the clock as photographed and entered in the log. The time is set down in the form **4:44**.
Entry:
**5:04**
